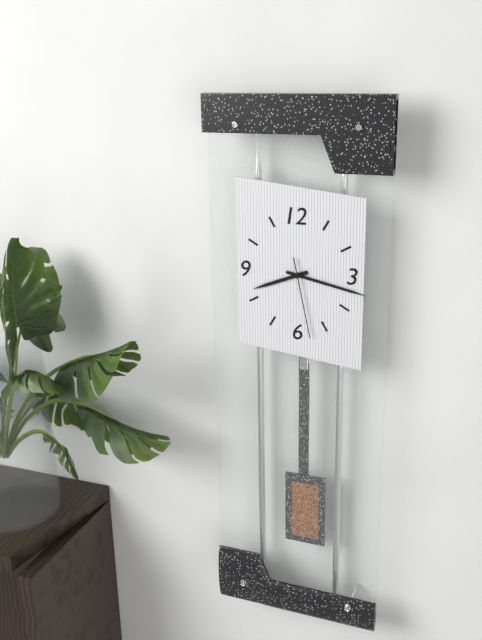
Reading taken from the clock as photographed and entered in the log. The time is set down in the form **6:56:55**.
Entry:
**8:17:28**
